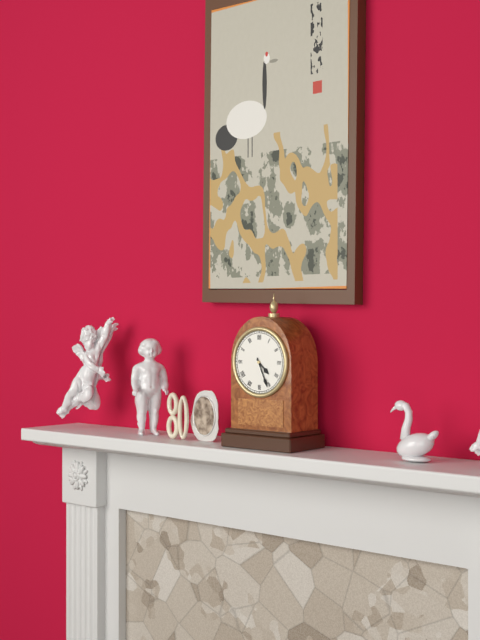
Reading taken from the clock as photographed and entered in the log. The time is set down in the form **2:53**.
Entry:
**4:26**
